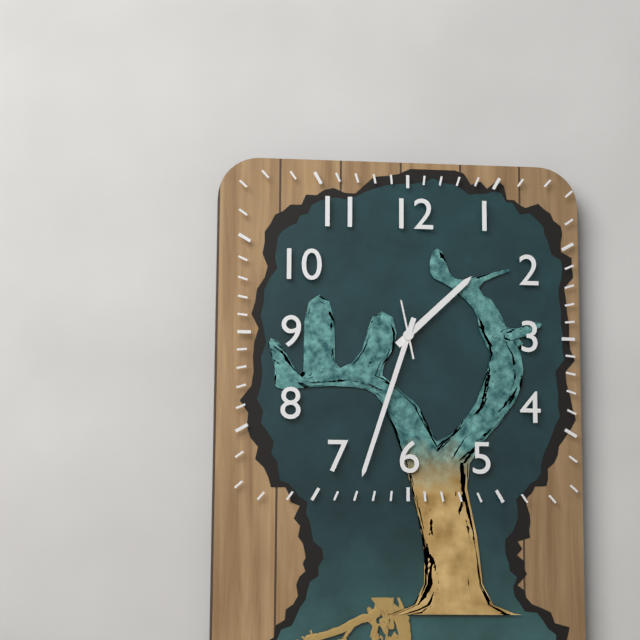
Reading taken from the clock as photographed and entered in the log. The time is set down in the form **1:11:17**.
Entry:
**1:33:58**
